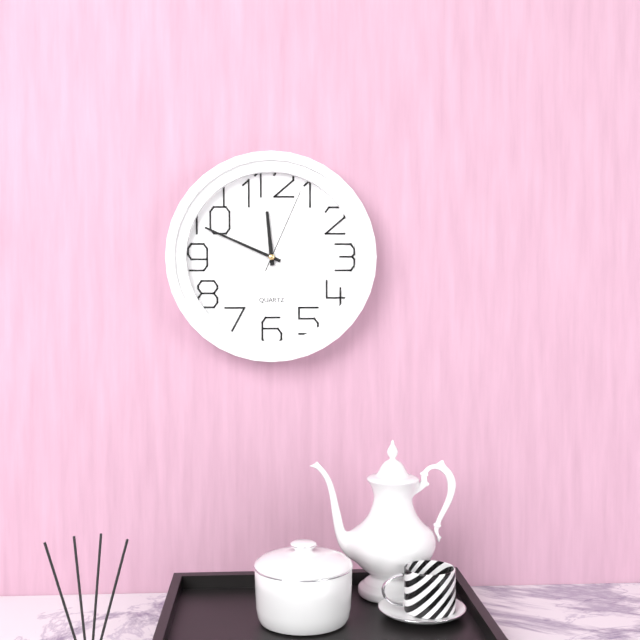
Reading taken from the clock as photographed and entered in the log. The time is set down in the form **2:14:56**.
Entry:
**11:49:04**
